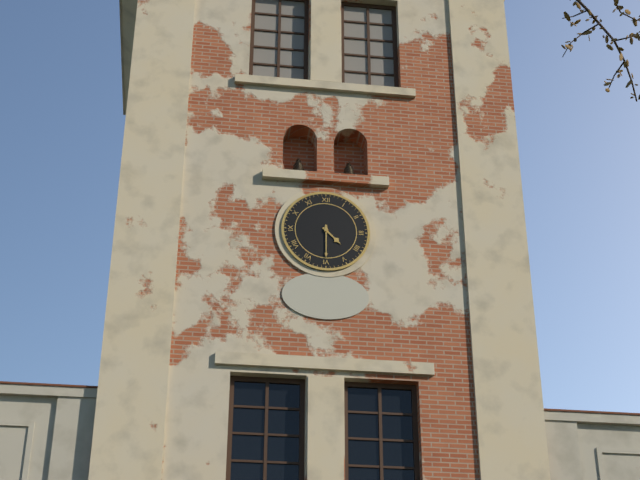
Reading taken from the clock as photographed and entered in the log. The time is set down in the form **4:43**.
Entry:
**4:30**
